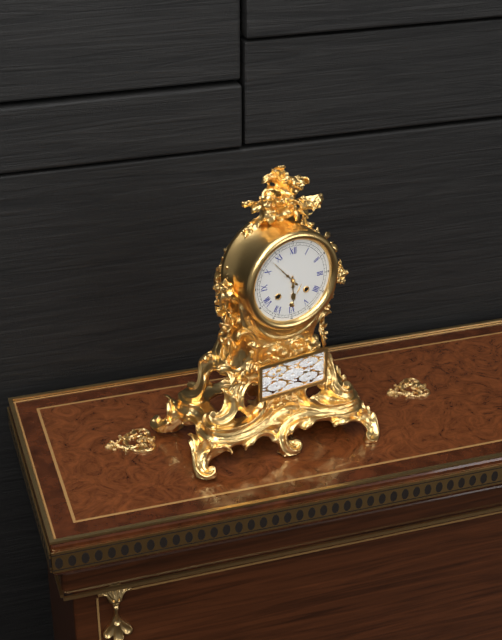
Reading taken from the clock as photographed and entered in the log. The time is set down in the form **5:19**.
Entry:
**5:53**
